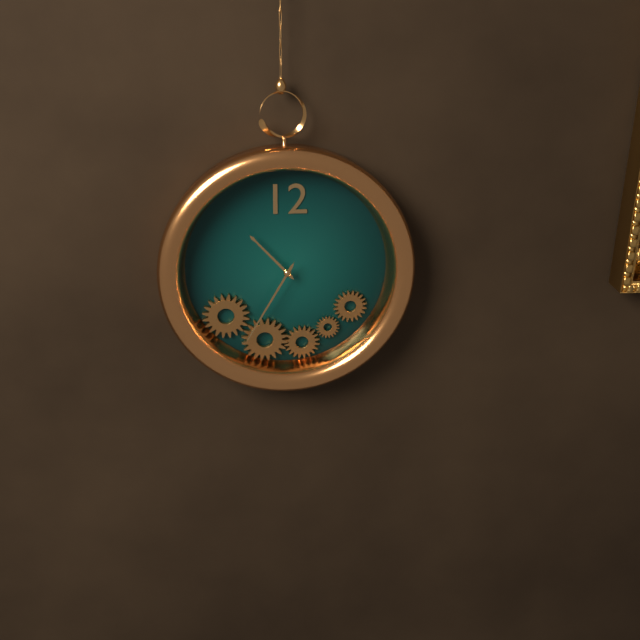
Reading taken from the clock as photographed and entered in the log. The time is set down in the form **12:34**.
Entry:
**10:35**
